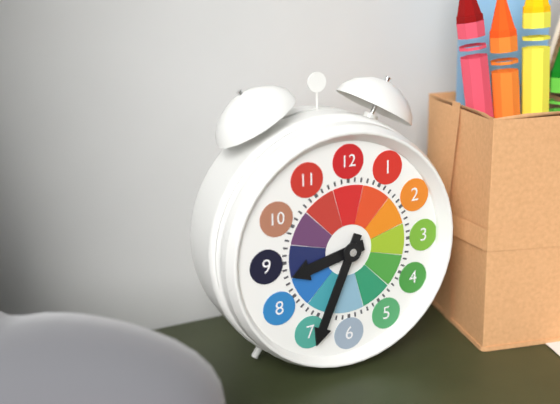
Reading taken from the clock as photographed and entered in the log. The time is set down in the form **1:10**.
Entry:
**8:34**
